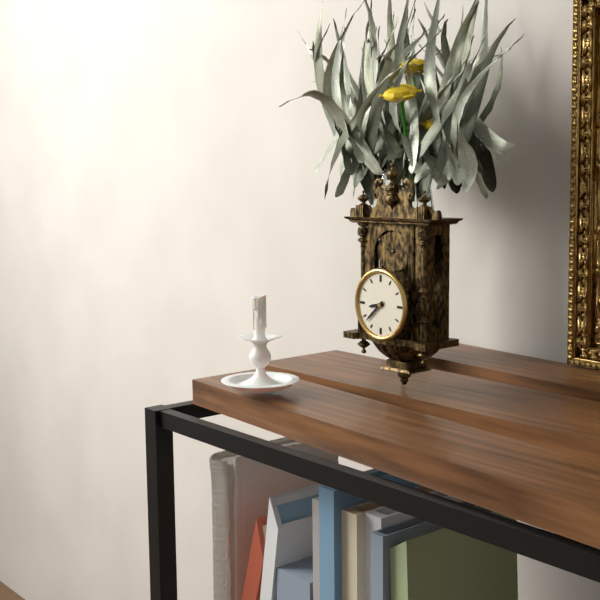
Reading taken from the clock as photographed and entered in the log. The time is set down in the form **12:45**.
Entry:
**8:38**
